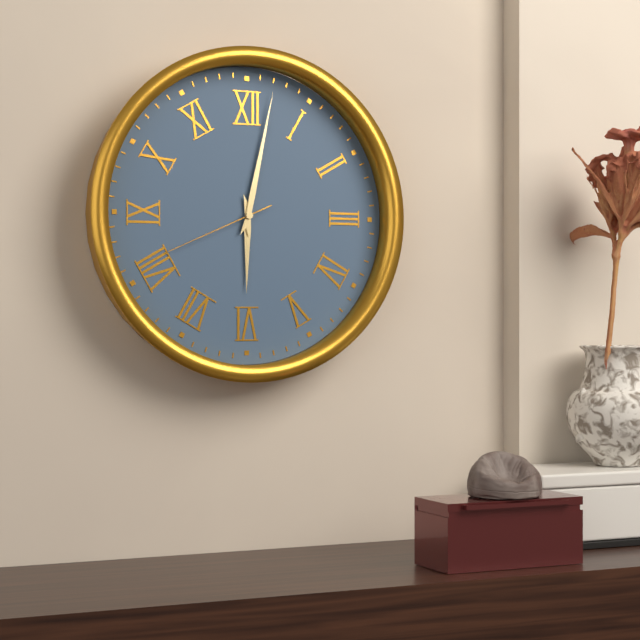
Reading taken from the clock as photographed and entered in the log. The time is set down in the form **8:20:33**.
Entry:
**6:02:41**
